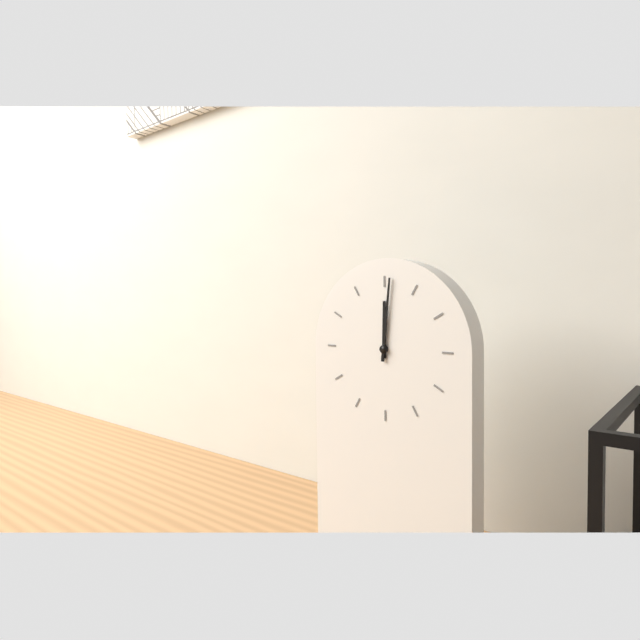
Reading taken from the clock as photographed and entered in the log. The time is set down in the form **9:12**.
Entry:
**12:01**
